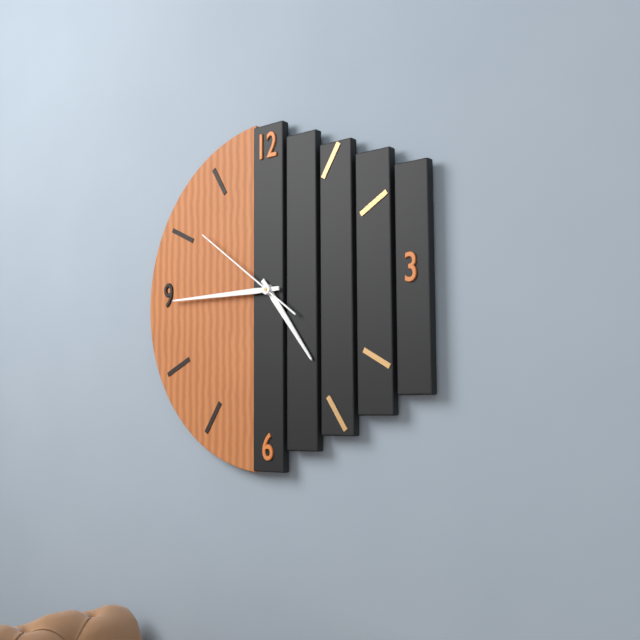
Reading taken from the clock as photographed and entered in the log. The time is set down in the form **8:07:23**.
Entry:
**4:45:51**
